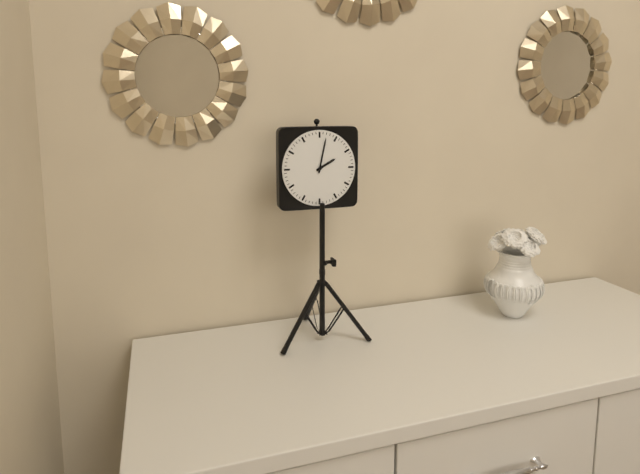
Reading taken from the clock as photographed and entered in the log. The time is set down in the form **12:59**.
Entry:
**2:02**
